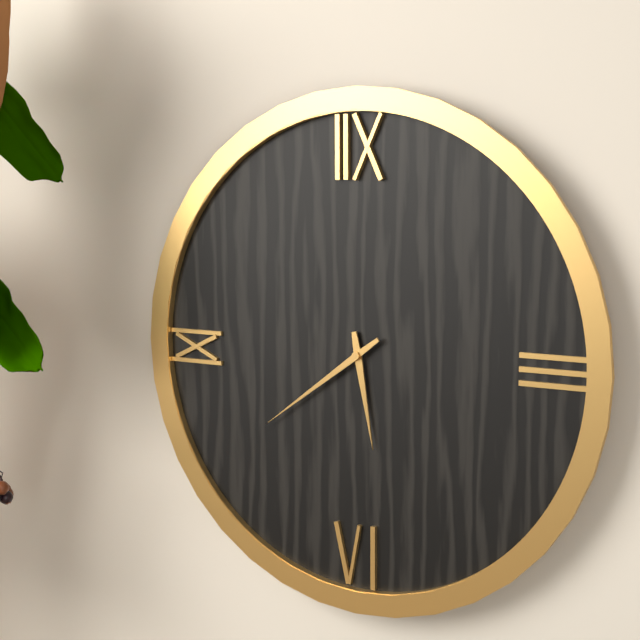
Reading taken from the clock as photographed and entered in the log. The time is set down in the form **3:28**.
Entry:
**5:39**
